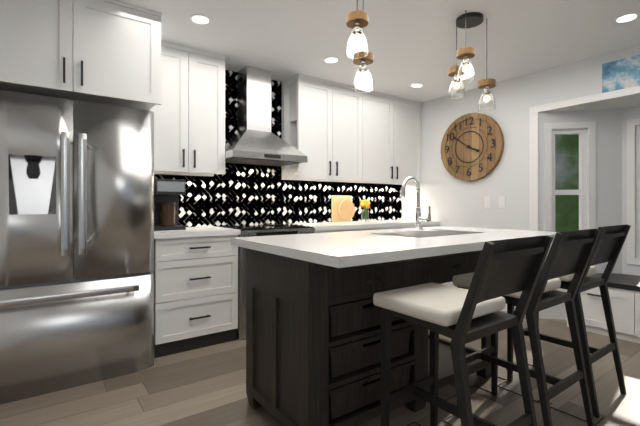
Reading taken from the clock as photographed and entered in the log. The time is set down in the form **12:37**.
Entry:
**3:51**
